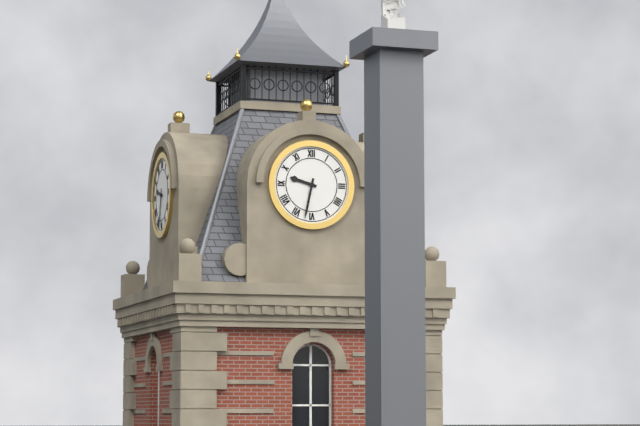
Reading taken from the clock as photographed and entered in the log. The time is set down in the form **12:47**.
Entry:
**9:32**
